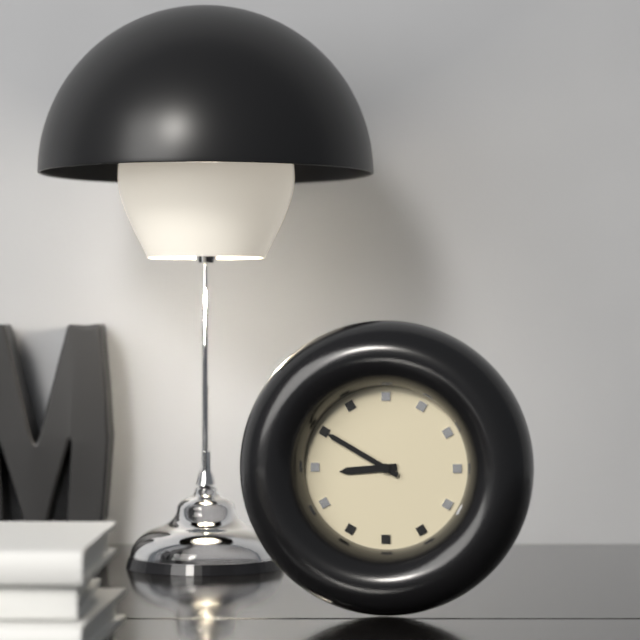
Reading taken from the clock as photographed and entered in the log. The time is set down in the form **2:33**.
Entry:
**8:50**
